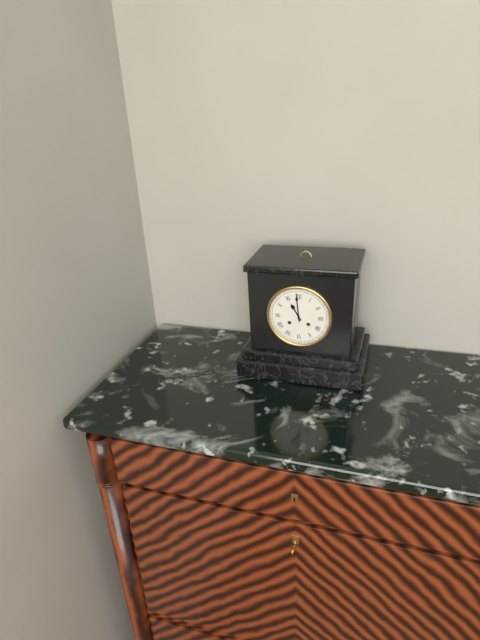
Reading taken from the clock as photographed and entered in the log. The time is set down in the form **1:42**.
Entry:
**10:59**
